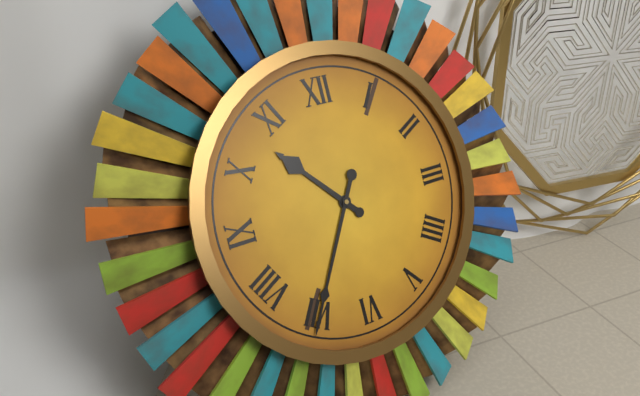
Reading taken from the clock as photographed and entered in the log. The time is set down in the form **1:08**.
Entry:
**10:35**
